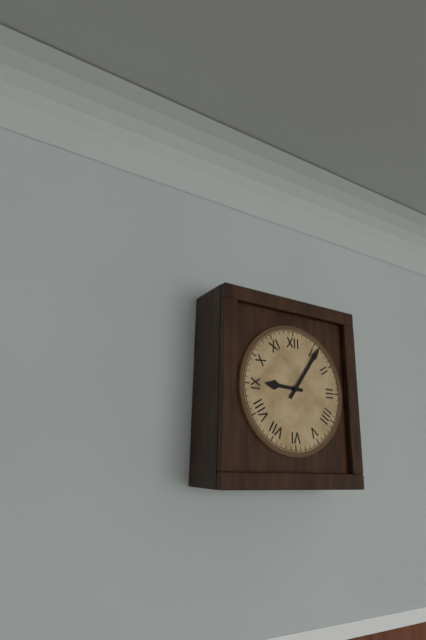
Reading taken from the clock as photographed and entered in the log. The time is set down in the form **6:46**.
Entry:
**9:06**
